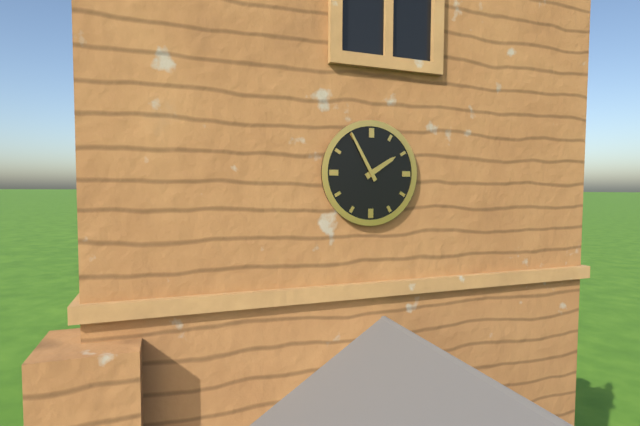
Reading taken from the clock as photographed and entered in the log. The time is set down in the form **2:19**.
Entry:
**1:55**
